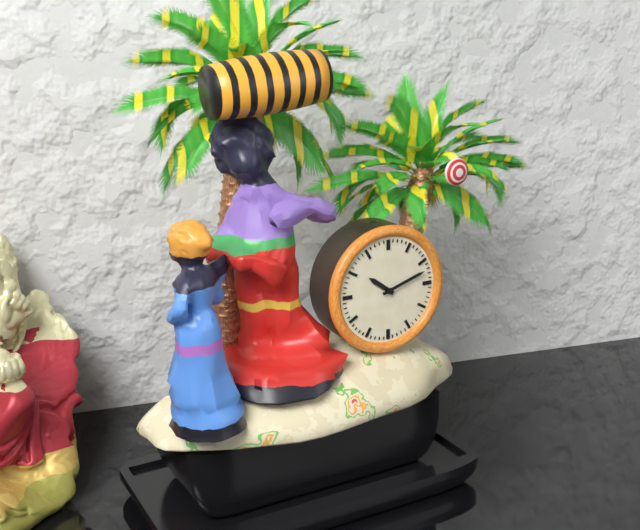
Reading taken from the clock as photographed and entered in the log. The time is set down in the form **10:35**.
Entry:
**10:12**
